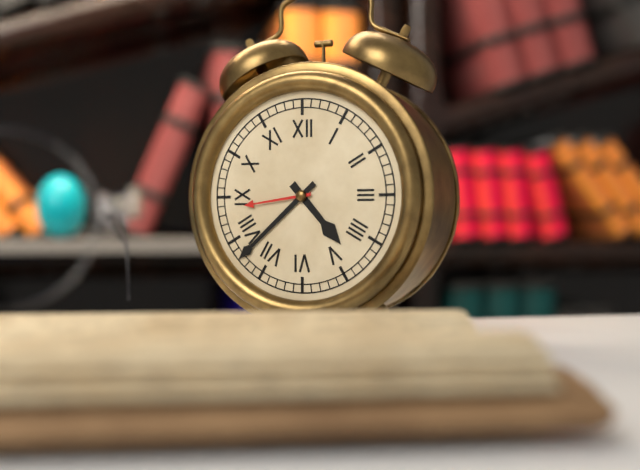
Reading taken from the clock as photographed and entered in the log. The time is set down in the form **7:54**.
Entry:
**4:38**
